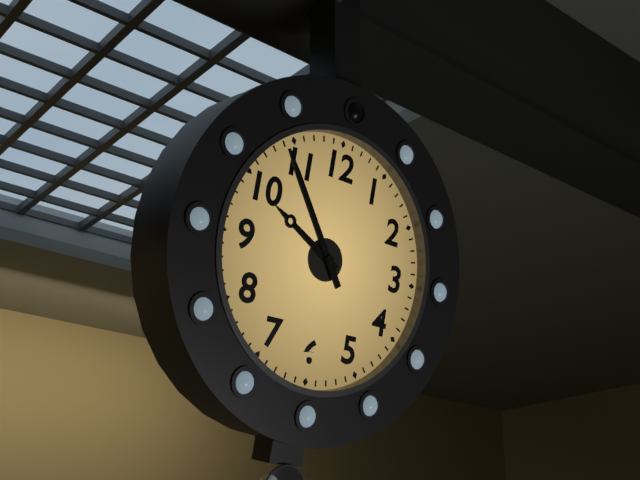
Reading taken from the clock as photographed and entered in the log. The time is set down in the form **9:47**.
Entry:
**9:54**
